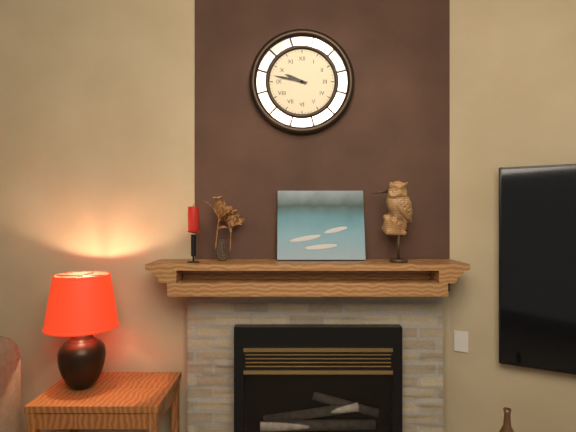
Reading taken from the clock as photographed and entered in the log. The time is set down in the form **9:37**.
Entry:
**9:47**
